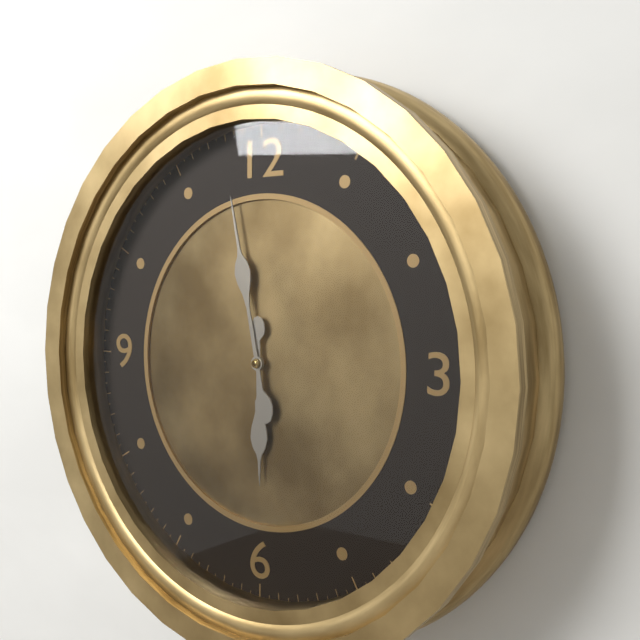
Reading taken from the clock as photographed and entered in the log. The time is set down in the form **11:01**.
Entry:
**5:58**
